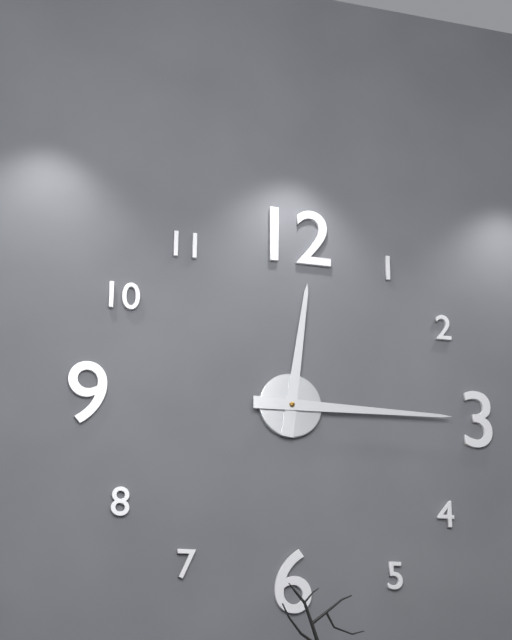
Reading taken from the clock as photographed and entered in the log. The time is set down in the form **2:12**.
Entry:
**12:15**
